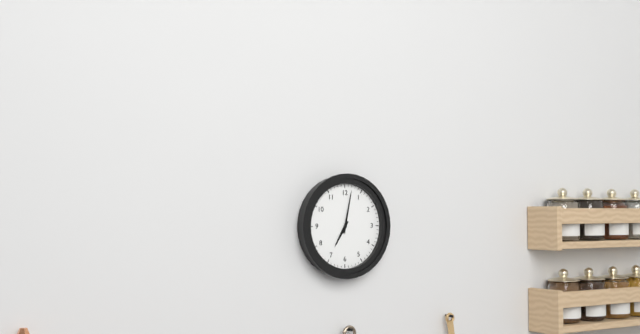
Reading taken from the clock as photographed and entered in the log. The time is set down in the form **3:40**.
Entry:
**7:02**
